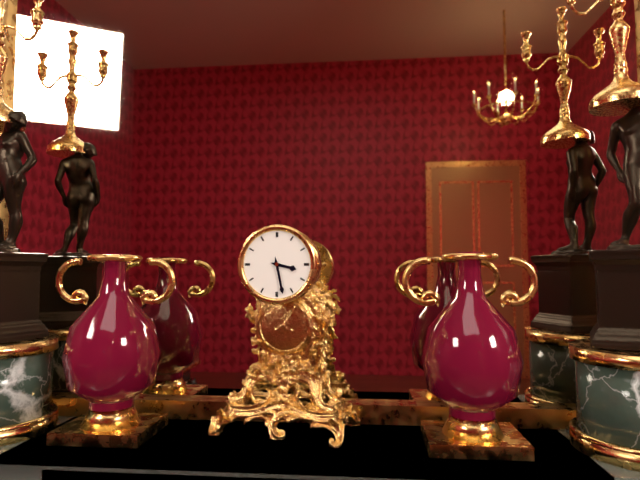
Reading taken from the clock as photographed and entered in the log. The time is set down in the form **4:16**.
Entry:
**3:28**
